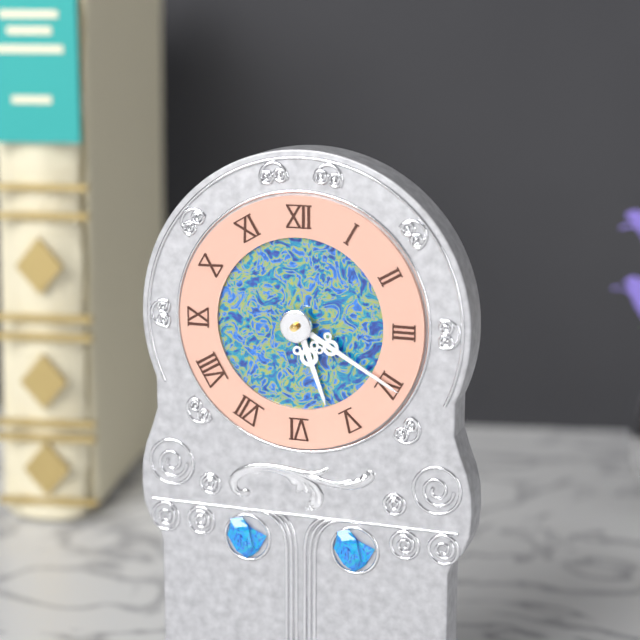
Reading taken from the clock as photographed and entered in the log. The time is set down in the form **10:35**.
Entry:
**5:20**
